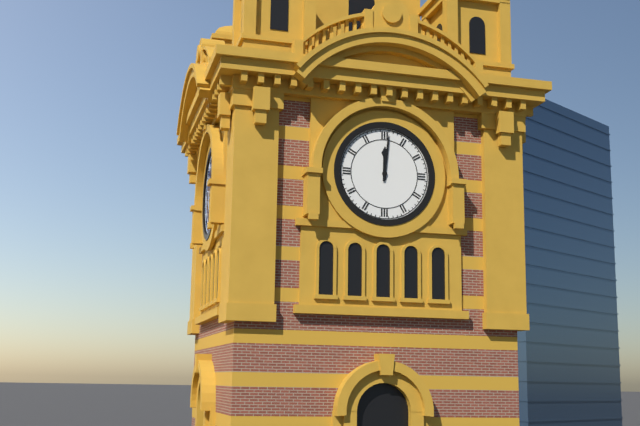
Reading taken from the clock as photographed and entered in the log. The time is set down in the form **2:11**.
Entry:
**12:01**
